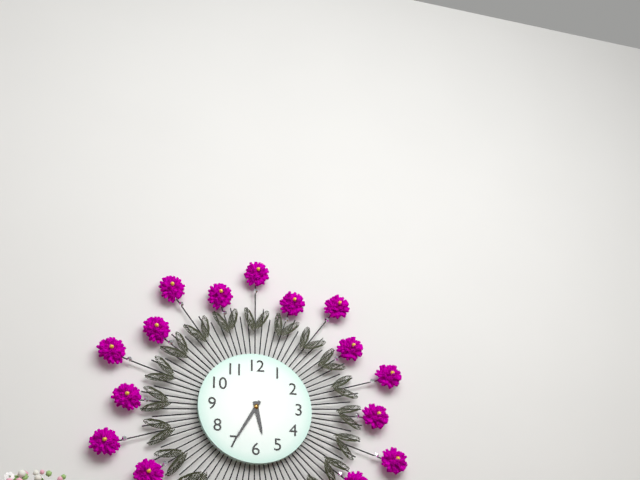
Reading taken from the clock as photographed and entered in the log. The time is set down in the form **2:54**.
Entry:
**5:35**
